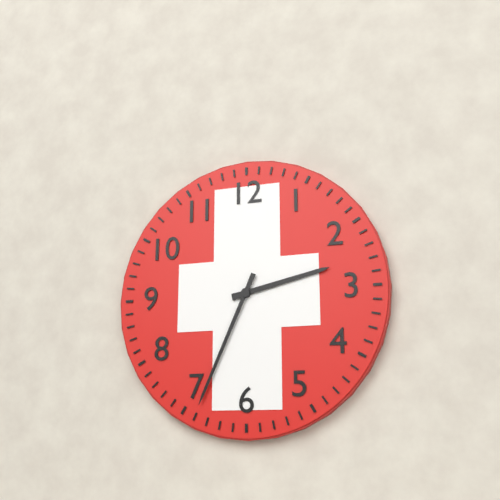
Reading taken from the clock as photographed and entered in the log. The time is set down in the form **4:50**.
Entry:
**2:34**
